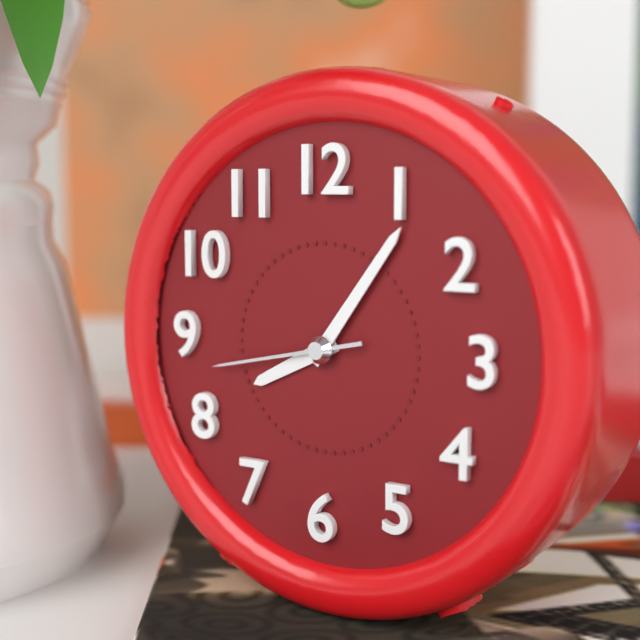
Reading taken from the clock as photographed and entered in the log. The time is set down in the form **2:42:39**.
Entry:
**8:06:43**
